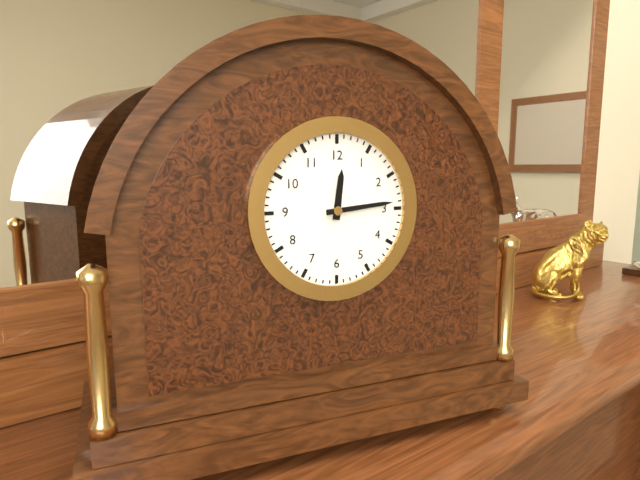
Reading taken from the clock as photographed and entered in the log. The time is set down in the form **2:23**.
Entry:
**12:14**
